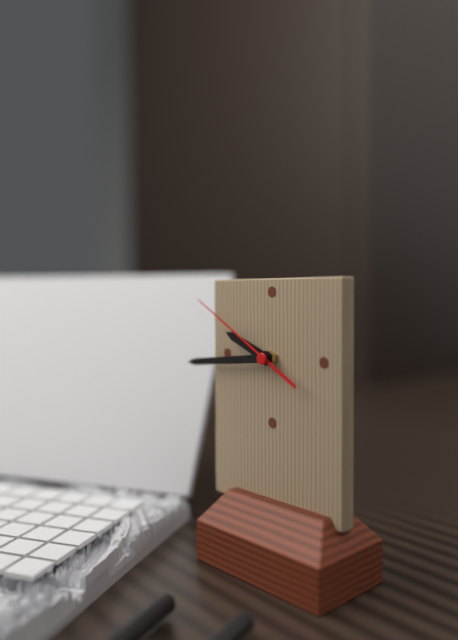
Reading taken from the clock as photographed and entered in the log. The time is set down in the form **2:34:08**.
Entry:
**9:44:50**
